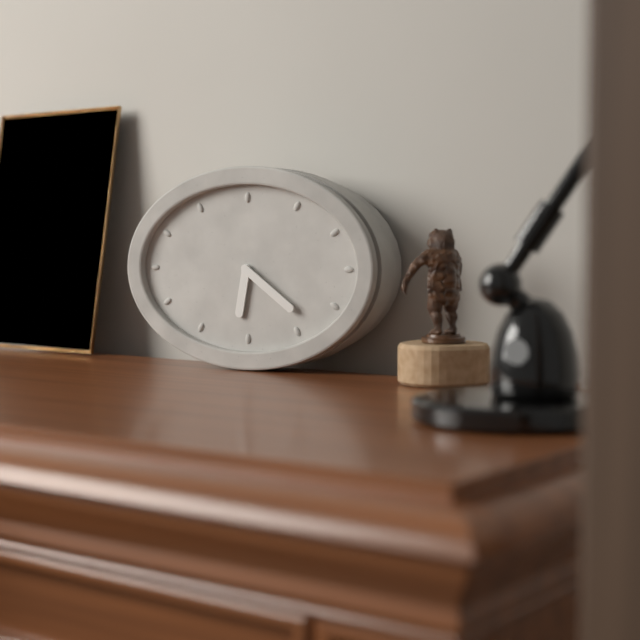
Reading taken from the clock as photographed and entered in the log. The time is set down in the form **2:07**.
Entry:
**6:21**
